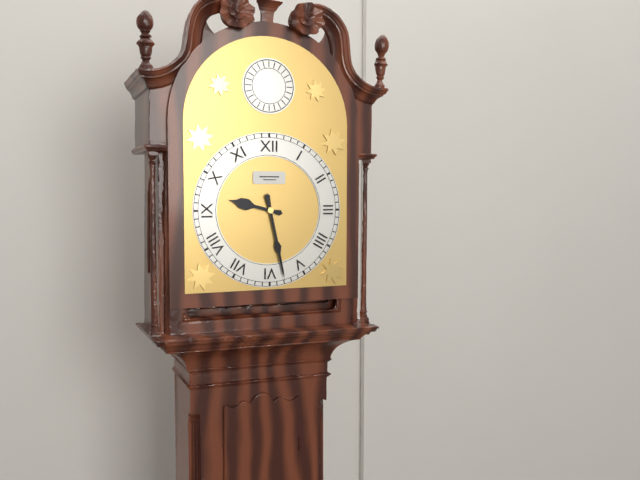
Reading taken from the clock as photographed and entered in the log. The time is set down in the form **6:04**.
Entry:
**9:28**
